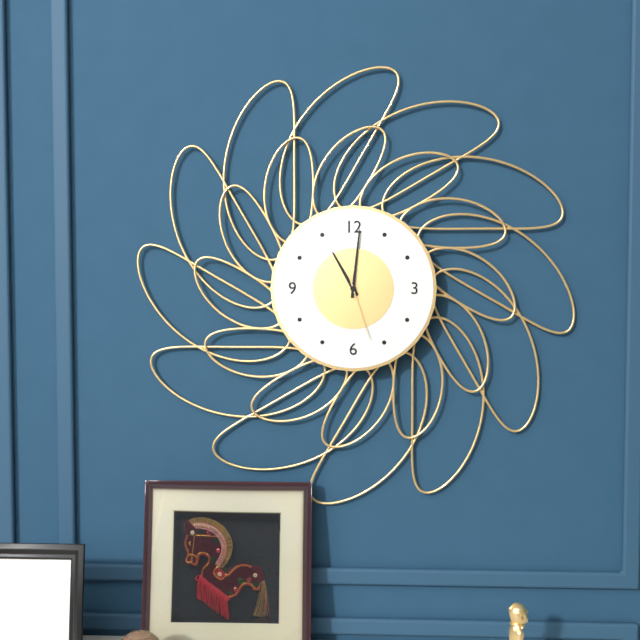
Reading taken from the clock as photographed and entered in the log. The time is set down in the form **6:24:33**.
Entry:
**11:01:27**
